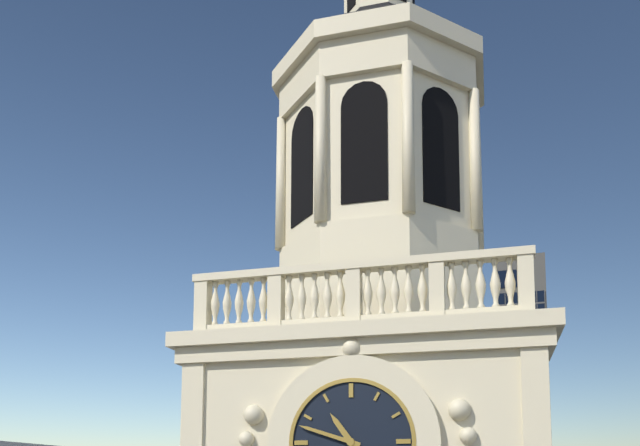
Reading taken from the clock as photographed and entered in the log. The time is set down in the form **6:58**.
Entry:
**10:48**
